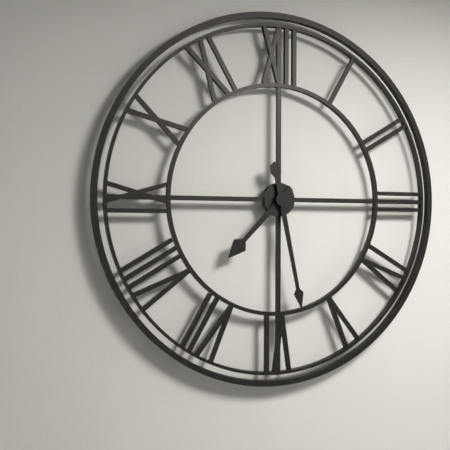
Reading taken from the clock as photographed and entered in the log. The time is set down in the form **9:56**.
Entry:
**7:28**
